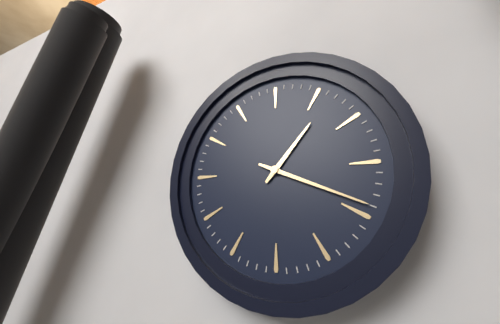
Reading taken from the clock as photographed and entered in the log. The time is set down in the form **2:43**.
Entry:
**1:19**
